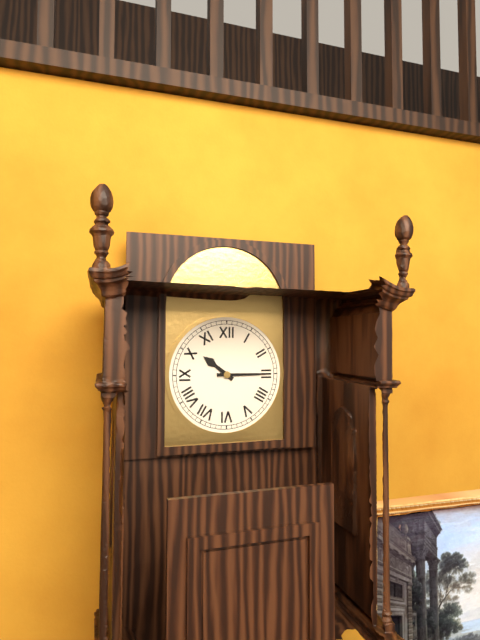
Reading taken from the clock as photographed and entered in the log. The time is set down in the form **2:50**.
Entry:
**10:15**
